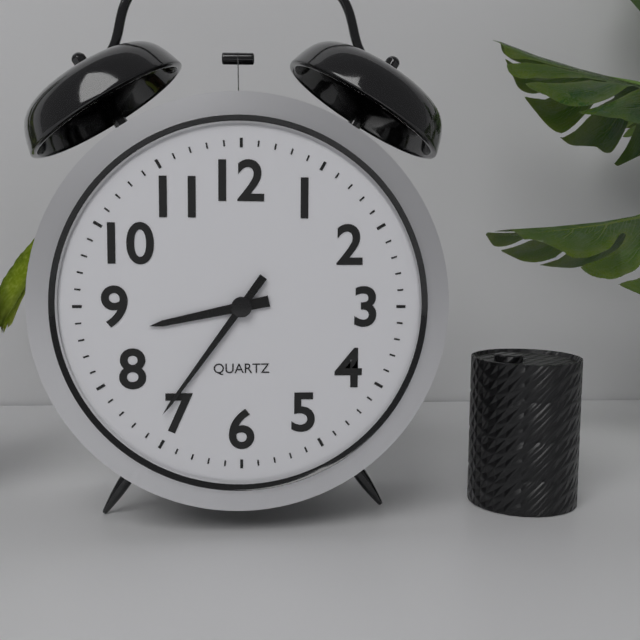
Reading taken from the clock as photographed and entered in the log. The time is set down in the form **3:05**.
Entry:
**8:36**
